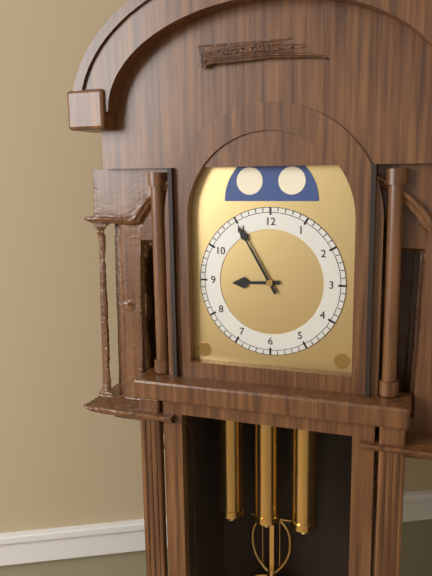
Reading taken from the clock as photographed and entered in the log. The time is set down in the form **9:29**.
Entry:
**8:55**
